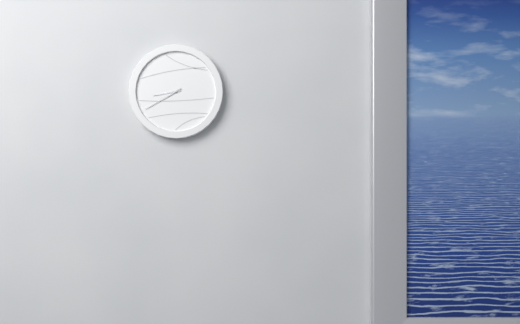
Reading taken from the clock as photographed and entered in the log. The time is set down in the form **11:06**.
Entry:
**8:40**
